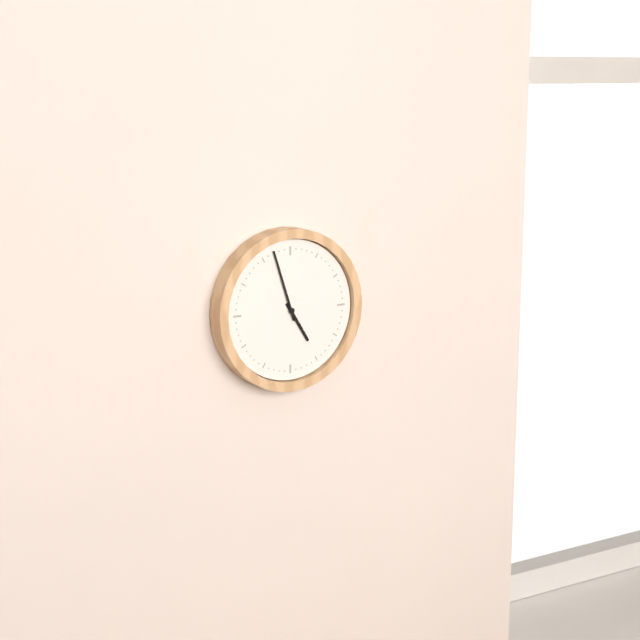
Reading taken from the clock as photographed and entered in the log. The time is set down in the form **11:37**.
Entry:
**4:57**
